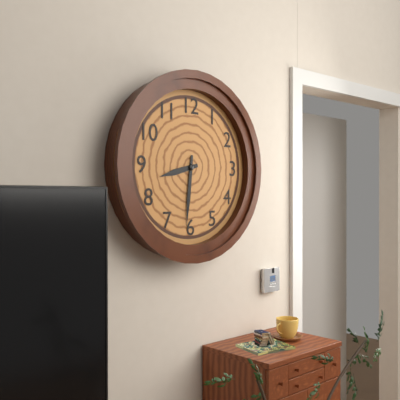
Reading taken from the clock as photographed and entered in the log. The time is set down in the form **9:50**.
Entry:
**8:31**
